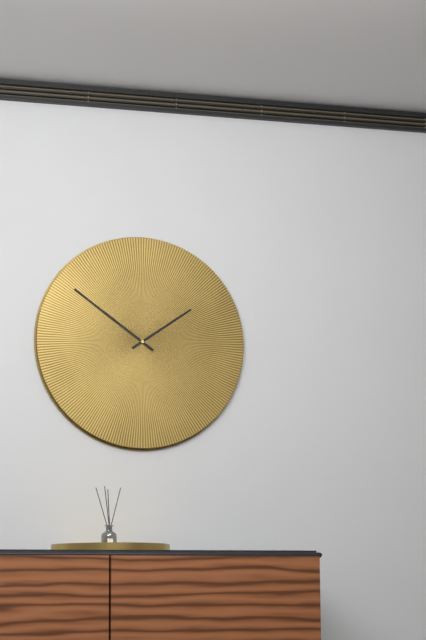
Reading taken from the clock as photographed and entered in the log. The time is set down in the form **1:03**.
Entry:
**1:51**
